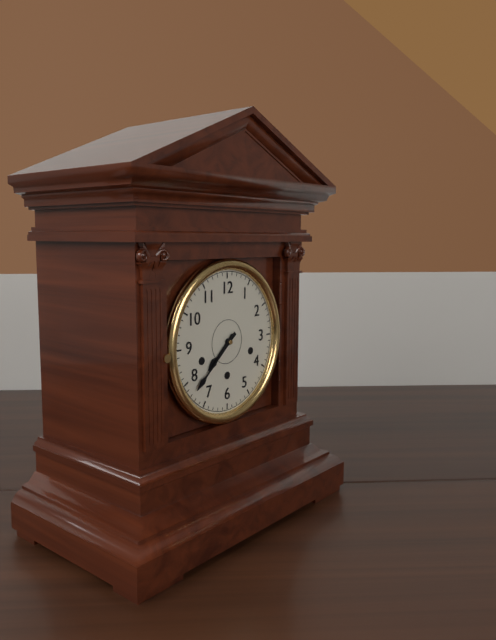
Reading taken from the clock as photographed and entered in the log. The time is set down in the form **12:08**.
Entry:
**7:38**
